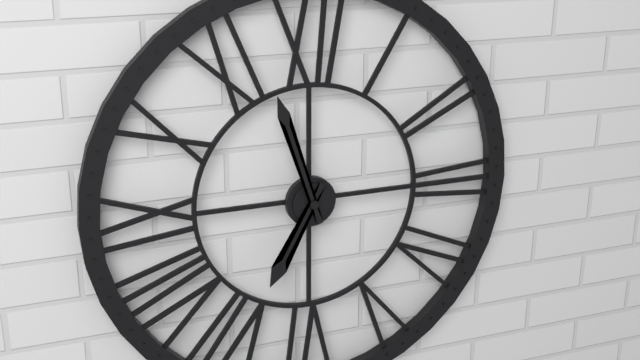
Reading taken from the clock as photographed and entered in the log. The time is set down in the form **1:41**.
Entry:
**6:57**
